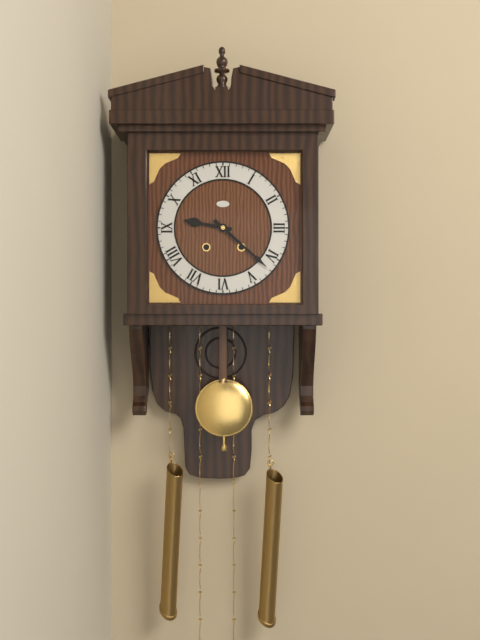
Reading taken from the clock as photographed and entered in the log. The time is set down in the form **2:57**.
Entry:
**9:22**
